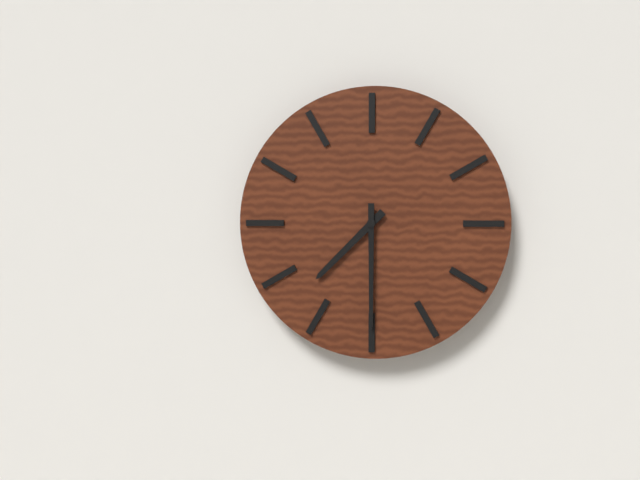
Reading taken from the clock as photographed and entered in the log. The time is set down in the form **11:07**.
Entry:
**7:30**
